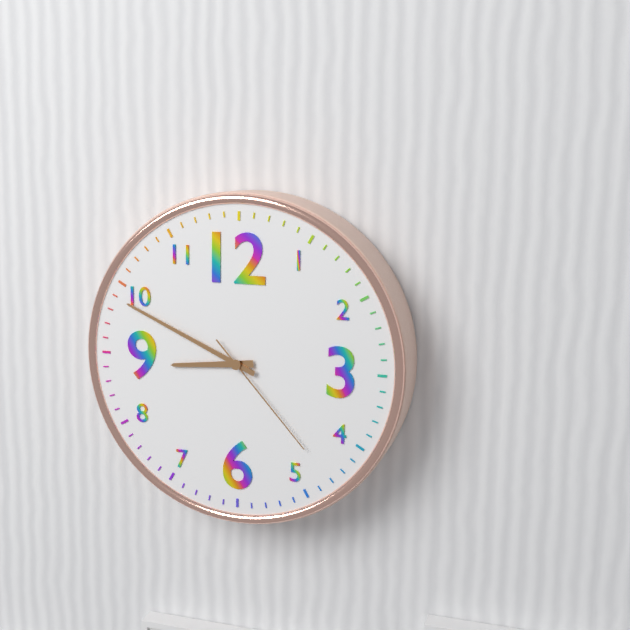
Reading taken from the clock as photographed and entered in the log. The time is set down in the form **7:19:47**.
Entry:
**8:49:23**
